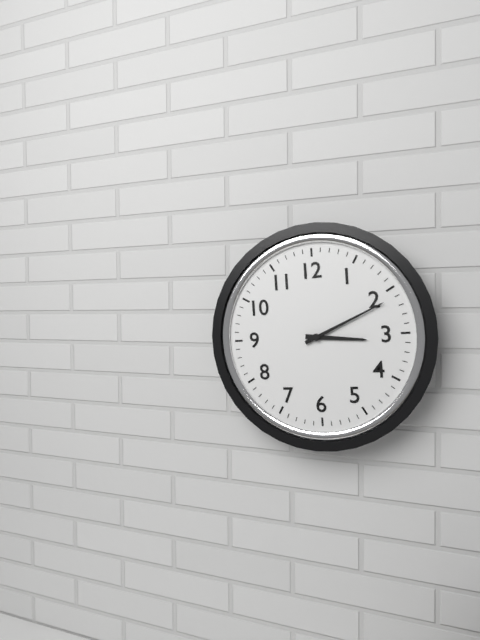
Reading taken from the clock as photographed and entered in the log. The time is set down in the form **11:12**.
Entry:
**3:11**
